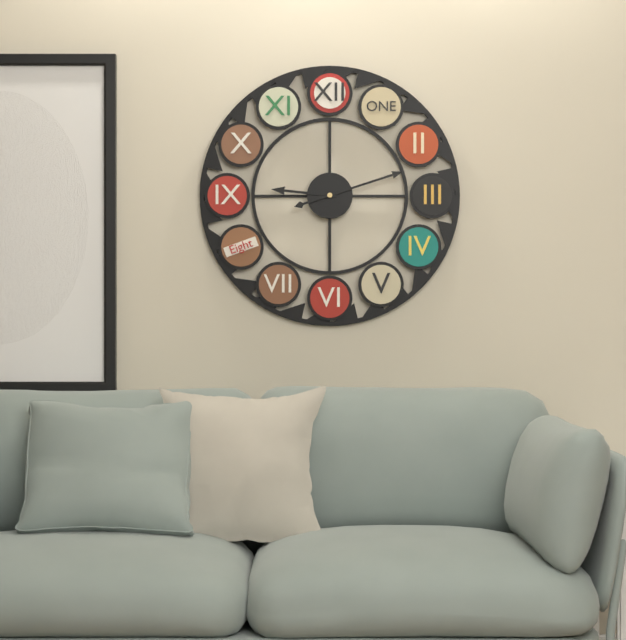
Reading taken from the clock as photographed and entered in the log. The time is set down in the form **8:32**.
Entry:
**9:12**
